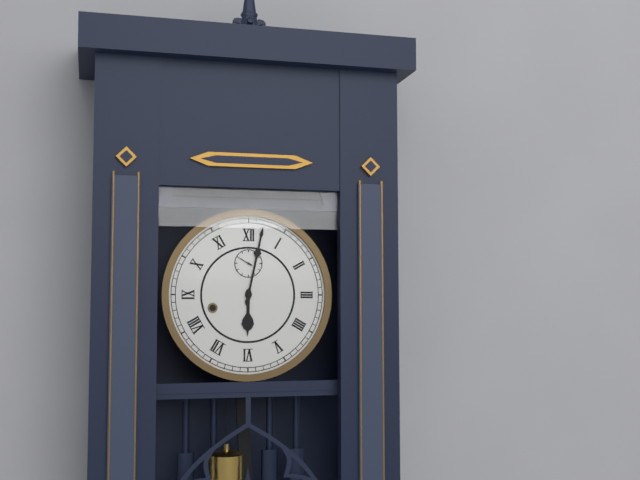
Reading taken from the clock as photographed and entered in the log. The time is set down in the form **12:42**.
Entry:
**6:02**
